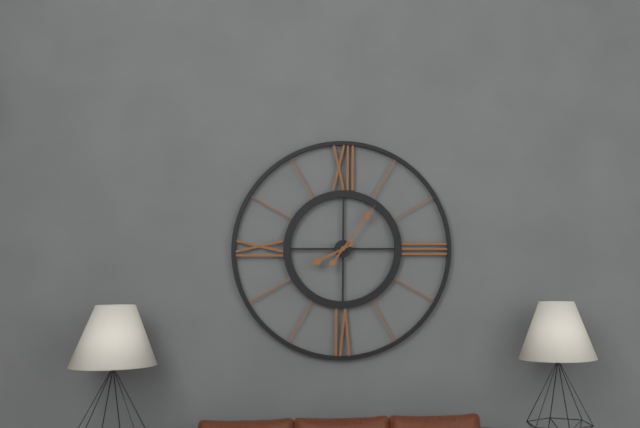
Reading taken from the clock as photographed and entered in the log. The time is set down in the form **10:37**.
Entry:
**8:06**
